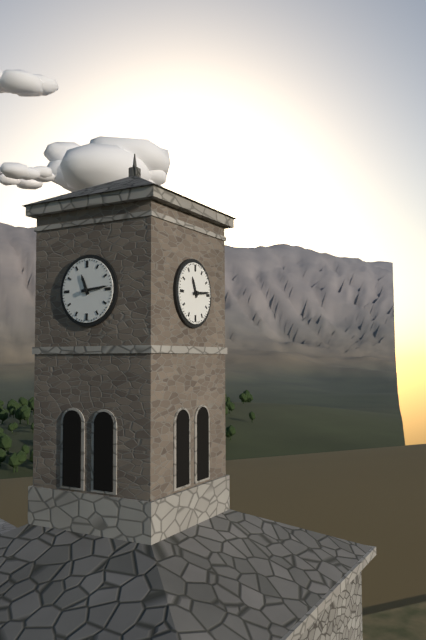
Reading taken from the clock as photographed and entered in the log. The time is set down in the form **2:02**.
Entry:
**11:14**
